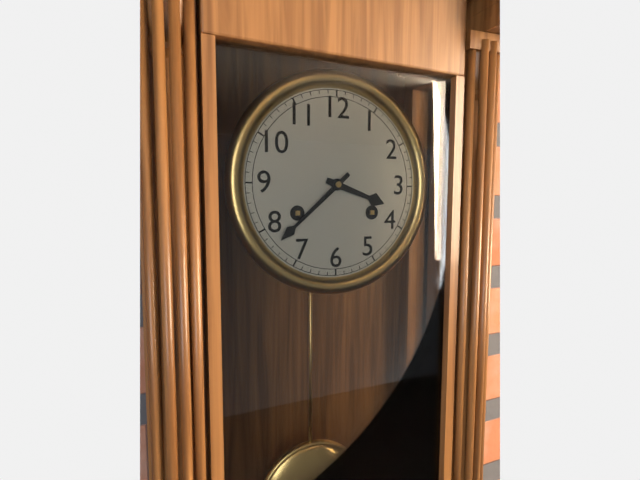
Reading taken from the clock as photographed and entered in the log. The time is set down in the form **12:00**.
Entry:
**3:38**
